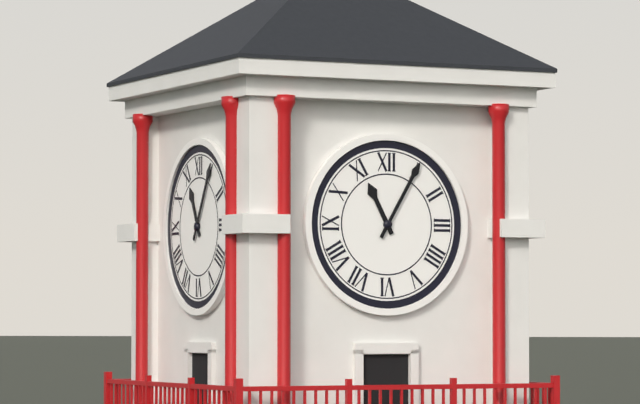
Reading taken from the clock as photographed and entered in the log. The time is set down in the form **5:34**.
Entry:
**11:05**
